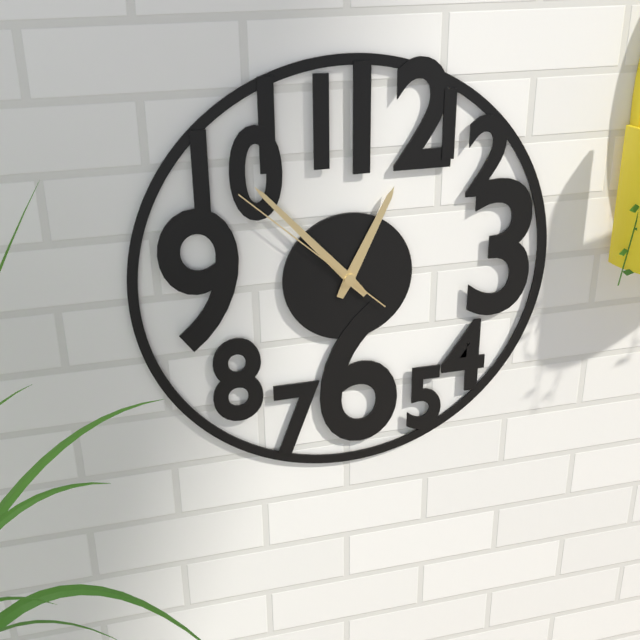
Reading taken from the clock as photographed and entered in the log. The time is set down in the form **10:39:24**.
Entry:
**12:53:52**
